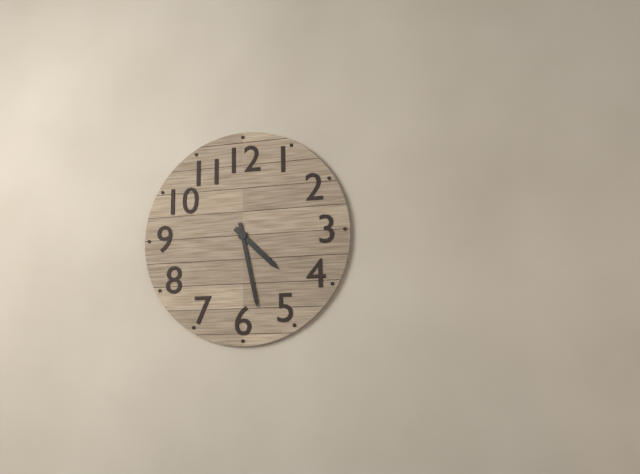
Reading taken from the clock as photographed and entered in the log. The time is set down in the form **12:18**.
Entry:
**4:28**
